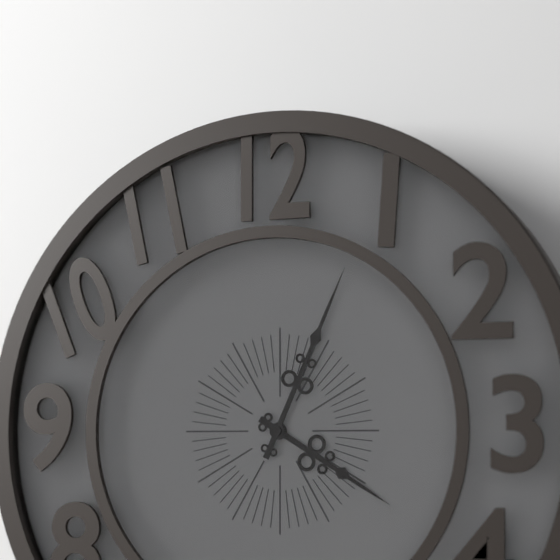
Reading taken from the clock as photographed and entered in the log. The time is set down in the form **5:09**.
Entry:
**4:04**
